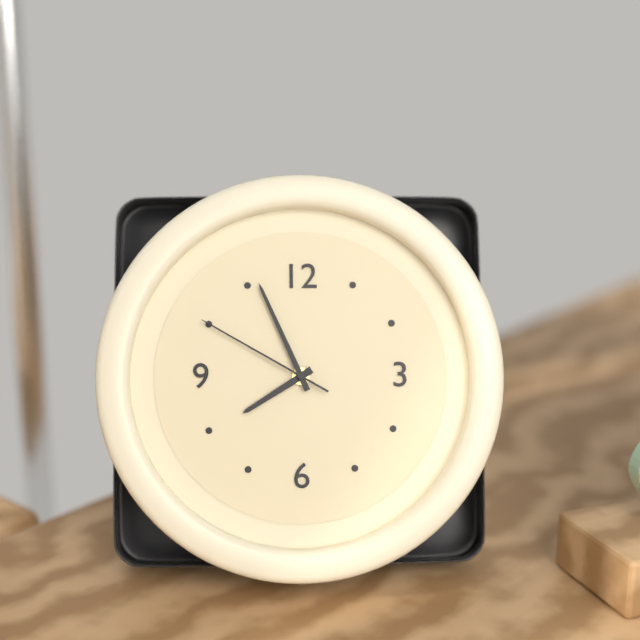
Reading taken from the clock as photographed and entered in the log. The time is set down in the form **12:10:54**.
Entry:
**7:56:50**
